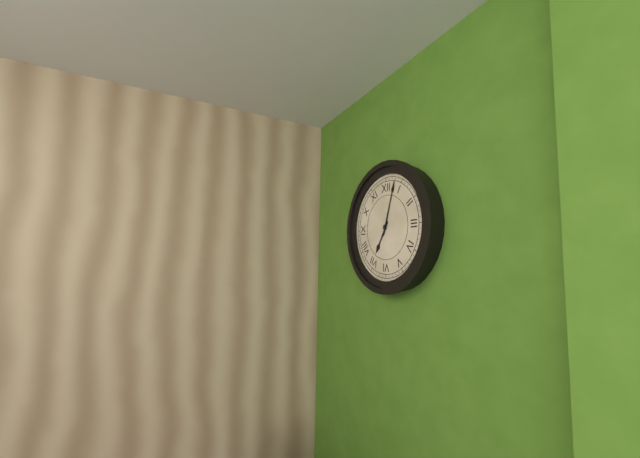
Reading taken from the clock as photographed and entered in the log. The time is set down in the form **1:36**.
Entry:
**7:03**
